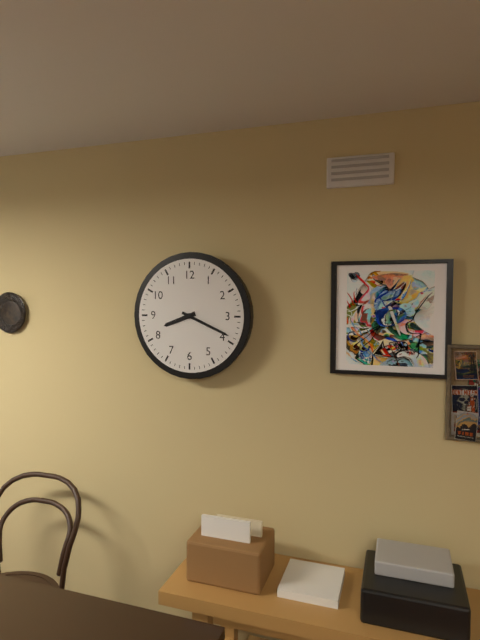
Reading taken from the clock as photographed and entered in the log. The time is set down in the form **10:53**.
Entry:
**8:19**
